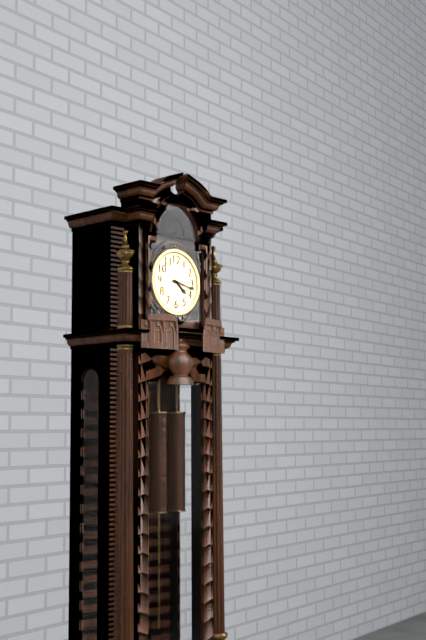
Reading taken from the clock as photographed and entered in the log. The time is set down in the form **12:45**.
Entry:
**4:17**
